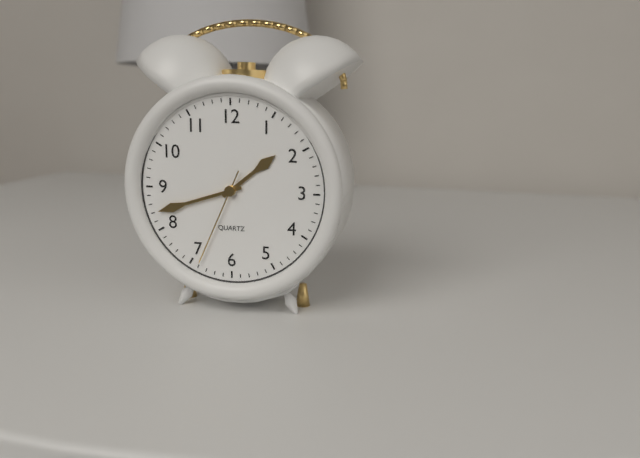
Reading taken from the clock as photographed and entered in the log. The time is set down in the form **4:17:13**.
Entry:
**1:42:34**
